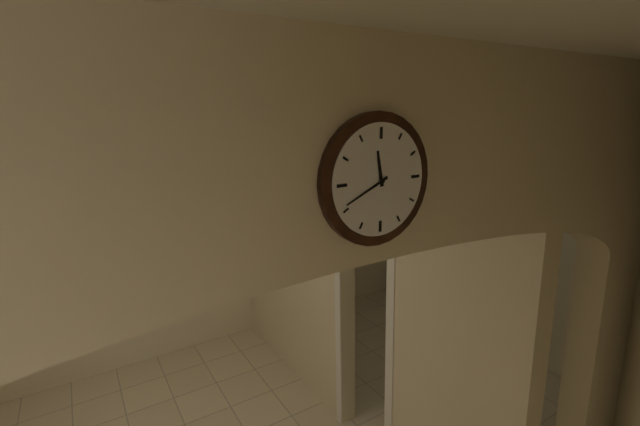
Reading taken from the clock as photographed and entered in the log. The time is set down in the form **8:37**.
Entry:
**11:41**
